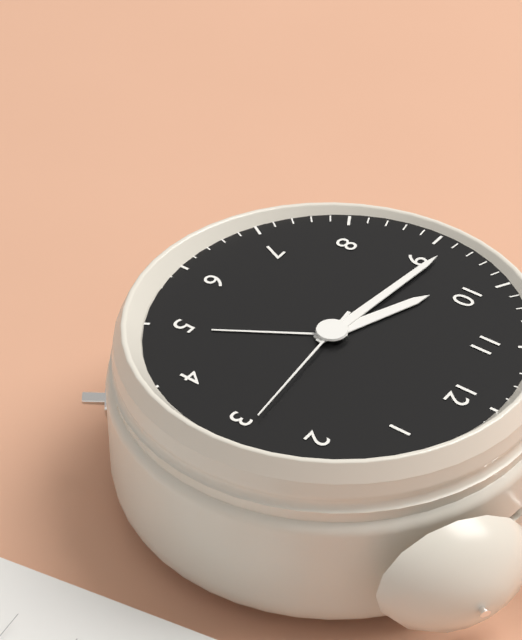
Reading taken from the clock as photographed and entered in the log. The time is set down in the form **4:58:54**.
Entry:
**9:46:14**
